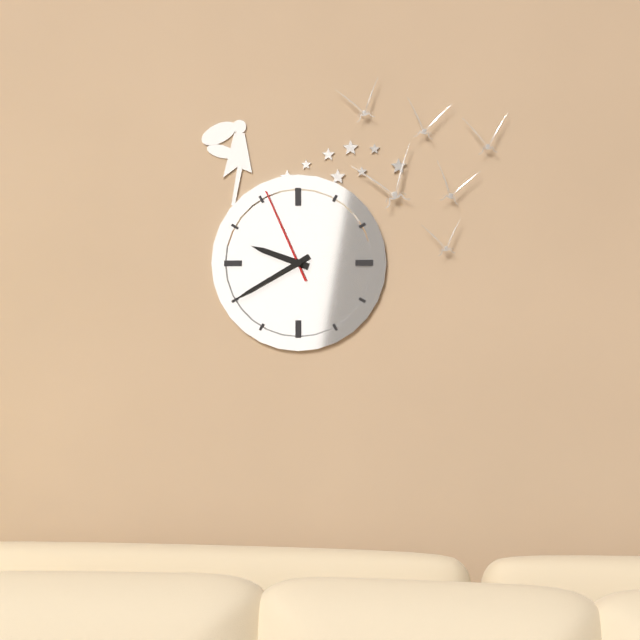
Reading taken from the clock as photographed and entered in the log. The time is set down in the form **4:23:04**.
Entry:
**9:40:56**
